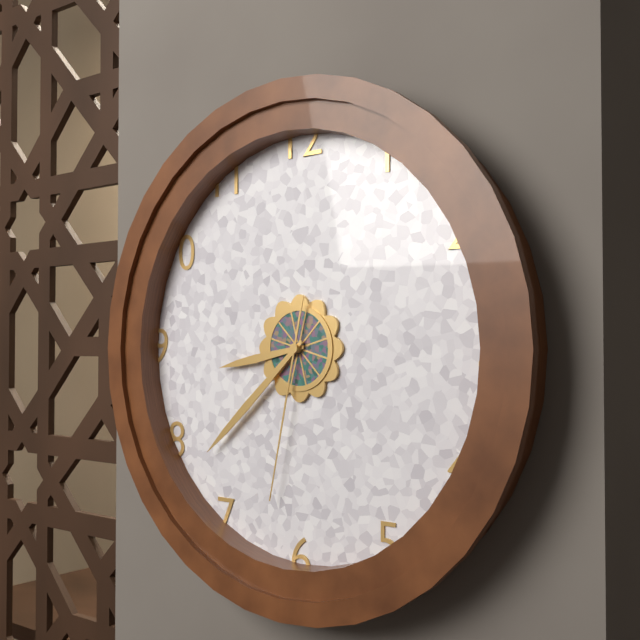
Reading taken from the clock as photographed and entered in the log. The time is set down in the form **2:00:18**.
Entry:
**8:38:32**
